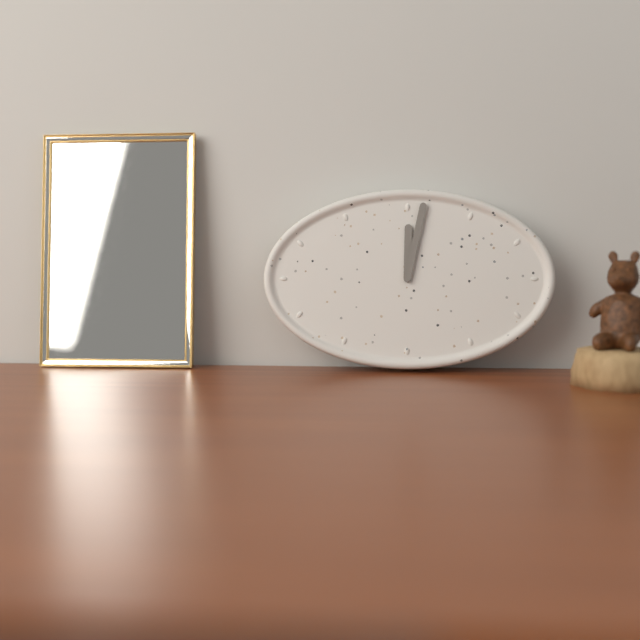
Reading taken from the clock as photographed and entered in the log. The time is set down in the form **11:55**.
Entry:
**12:02**
